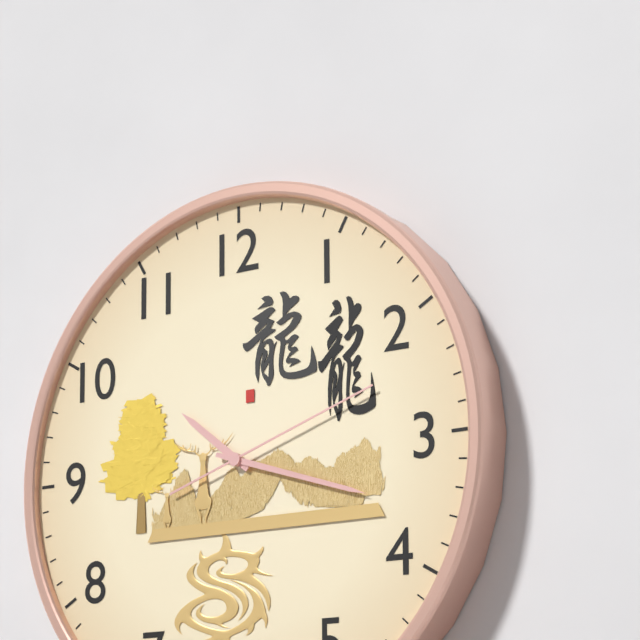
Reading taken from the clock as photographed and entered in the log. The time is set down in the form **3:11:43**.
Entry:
**10:18:12**
